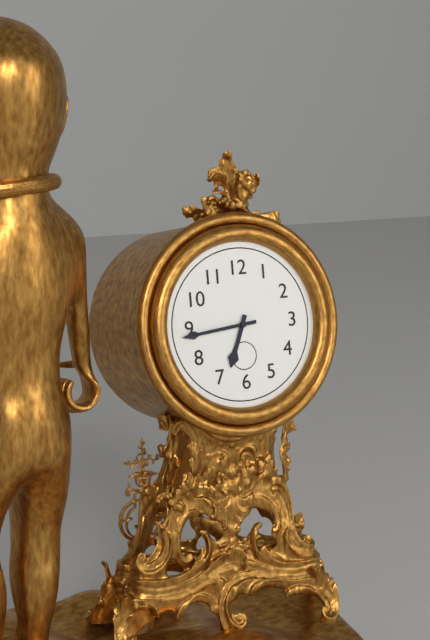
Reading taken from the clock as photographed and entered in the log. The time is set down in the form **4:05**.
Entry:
**6:44**
